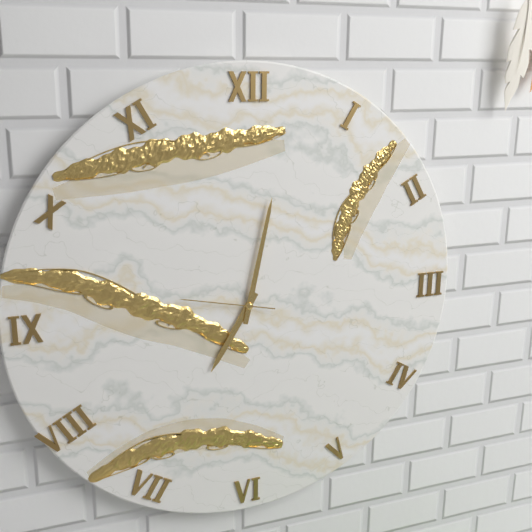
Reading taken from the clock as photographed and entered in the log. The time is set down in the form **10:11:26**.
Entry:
**7:02:47**
